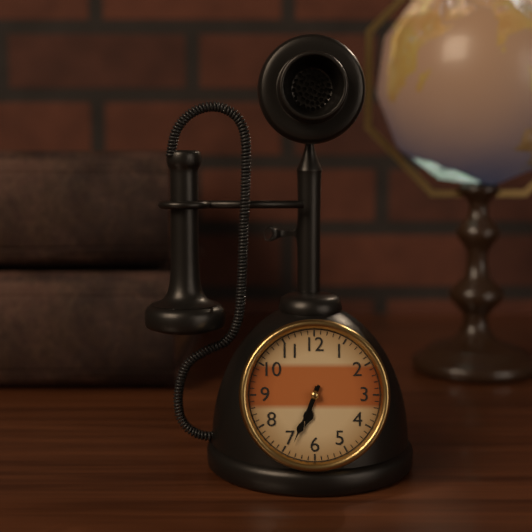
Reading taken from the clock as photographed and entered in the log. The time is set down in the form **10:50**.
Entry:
**6:34**
